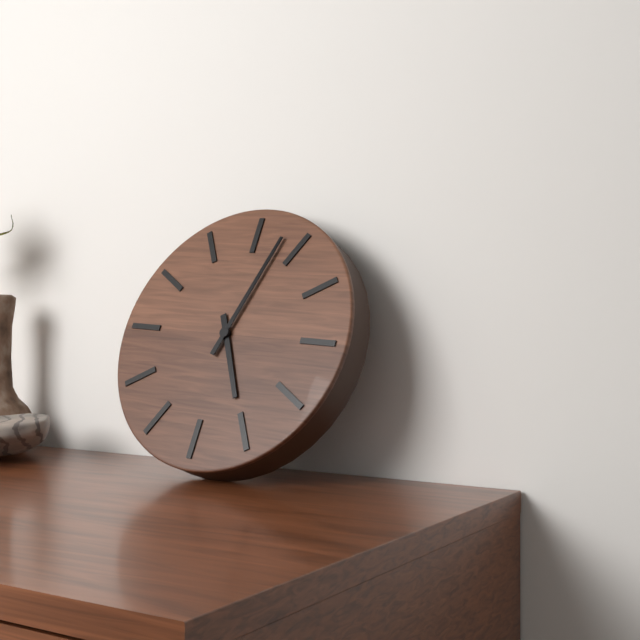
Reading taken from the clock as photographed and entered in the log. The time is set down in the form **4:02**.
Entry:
**5:03**
